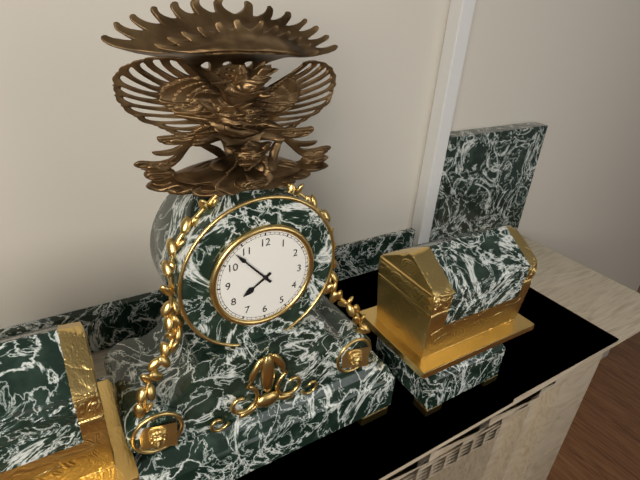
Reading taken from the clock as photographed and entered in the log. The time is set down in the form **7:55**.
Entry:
**7:53**
